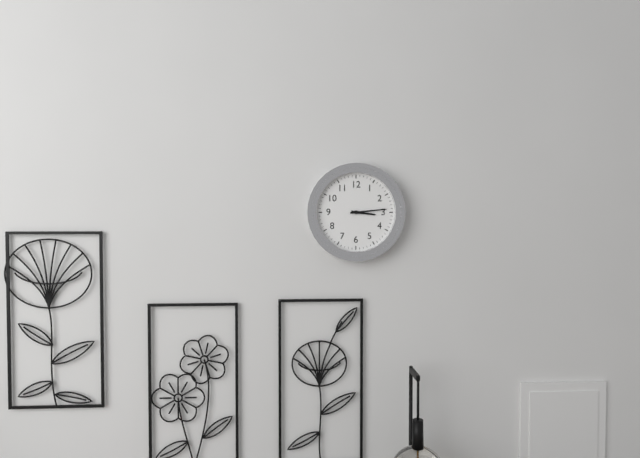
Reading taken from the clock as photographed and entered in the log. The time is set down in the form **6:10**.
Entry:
**3:14**
